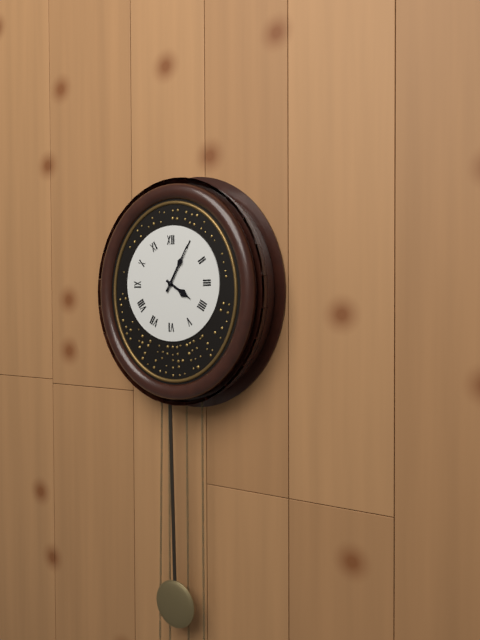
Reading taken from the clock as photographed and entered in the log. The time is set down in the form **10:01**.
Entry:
**4:05**
